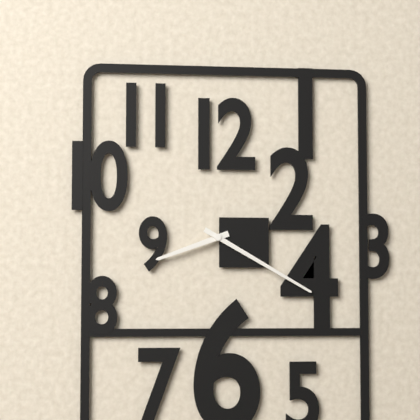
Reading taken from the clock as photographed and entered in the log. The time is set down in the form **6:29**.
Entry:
**8:20**
